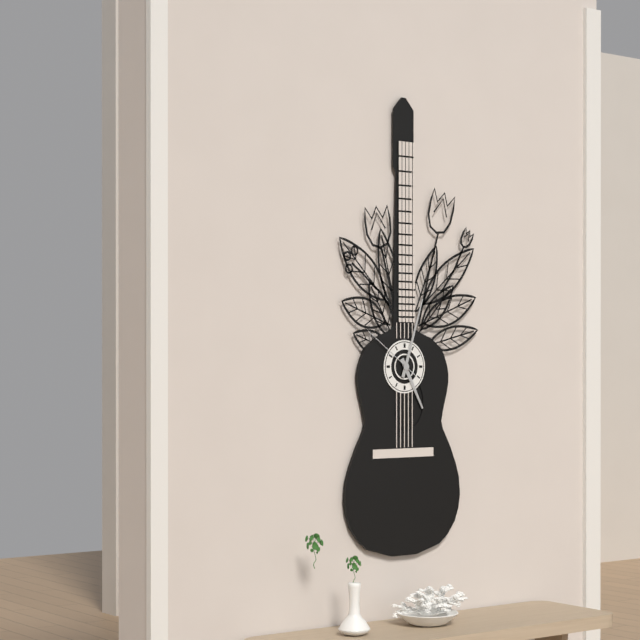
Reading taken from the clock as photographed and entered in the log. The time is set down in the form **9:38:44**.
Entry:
**5:03:51**
